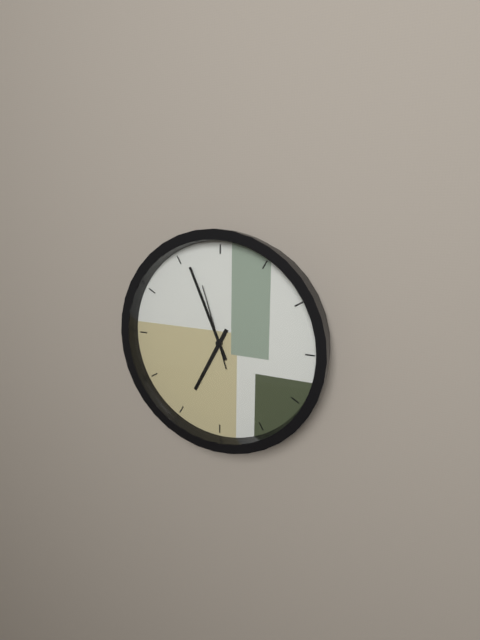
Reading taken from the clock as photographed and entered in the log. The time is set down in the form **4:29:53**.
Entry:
**6:56:57**
